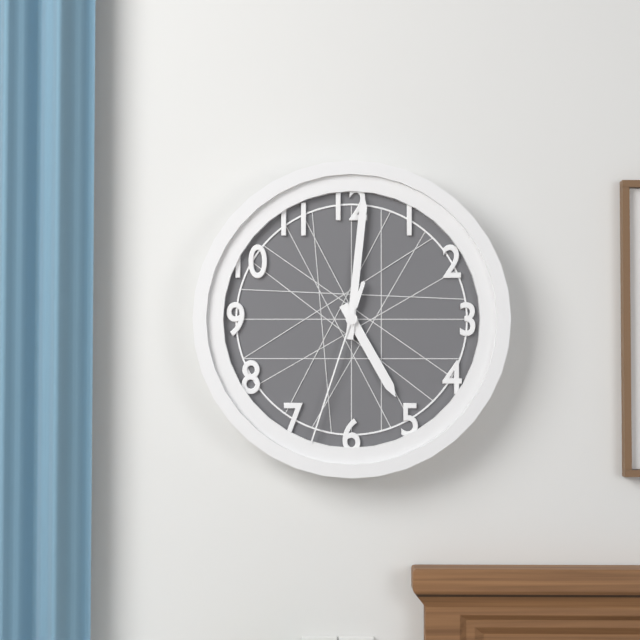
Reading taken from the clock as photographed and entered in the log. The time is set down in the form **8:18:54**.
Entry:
**5:01:33**
